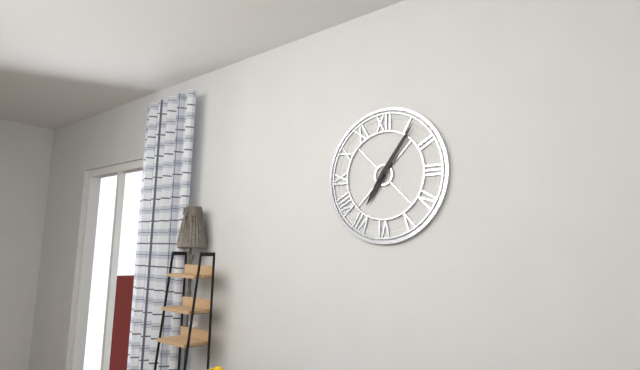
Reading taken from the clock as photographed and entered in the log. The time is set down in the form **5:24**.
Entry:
**7:06**
